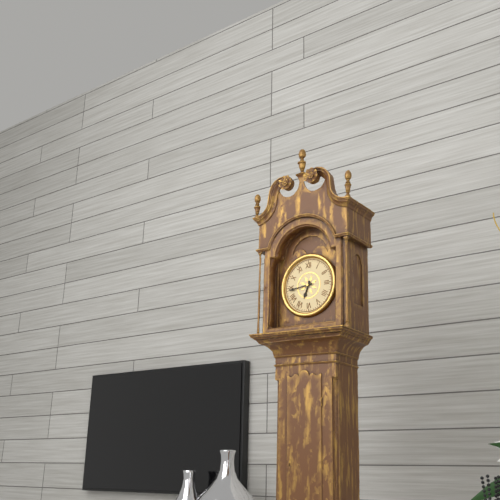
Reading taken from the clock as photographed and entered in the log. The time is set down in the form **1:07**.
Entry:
**6:44**
